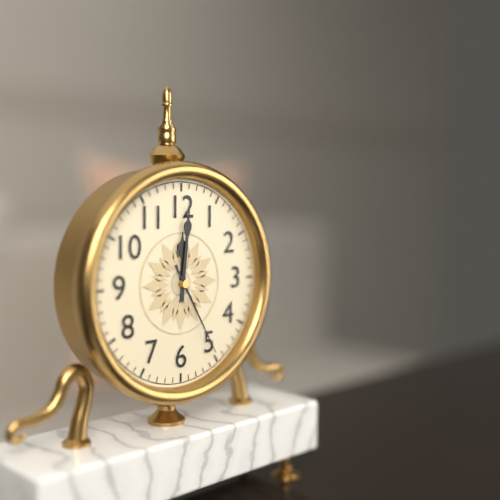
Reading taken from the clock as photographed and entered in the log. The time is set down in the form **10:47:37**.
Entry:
**12:01:25**
